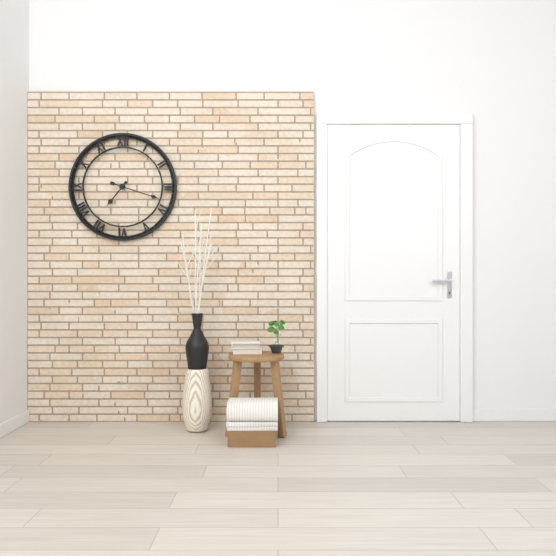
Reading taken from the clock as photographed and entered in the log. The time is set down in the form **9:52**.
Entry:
**7:18**
